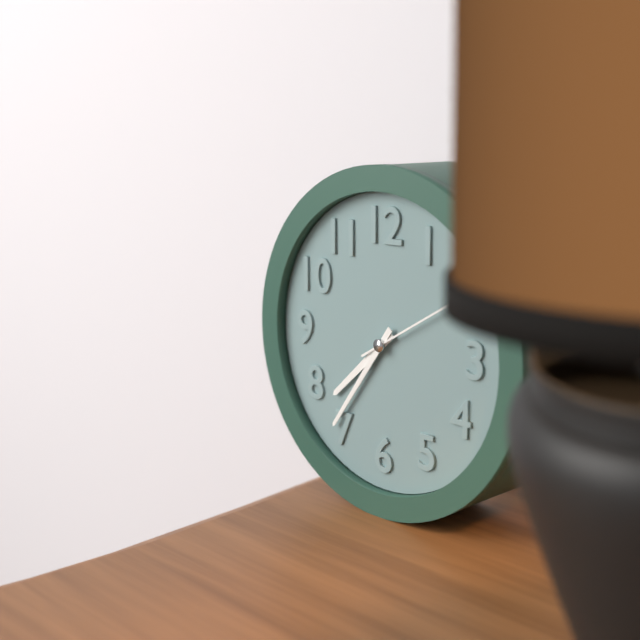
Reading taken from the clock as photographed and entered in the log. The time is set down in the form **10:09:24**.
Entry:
**7:36:10**
